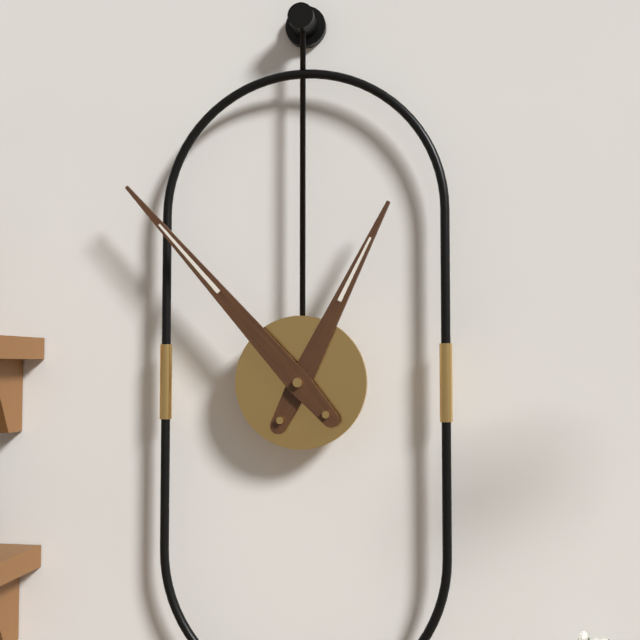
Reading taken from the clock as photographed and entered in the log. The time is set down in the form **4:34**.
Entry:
**12:53**
